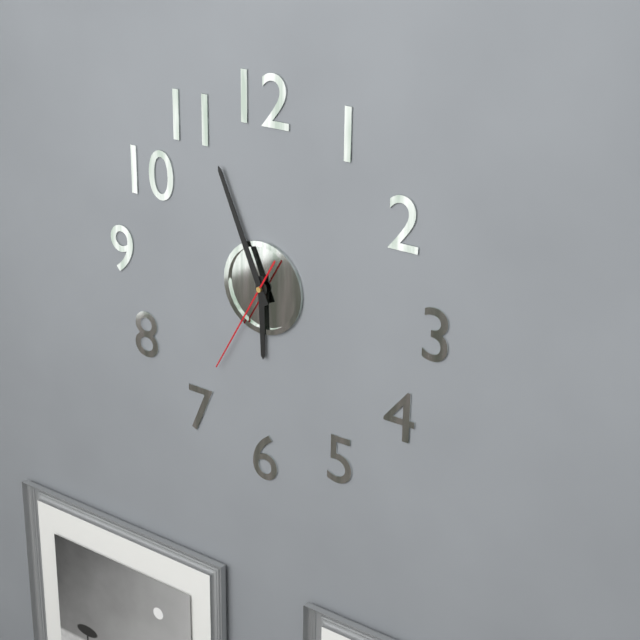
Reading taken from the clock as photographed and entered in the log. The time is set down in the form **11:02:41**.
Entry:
**5:56:35**
